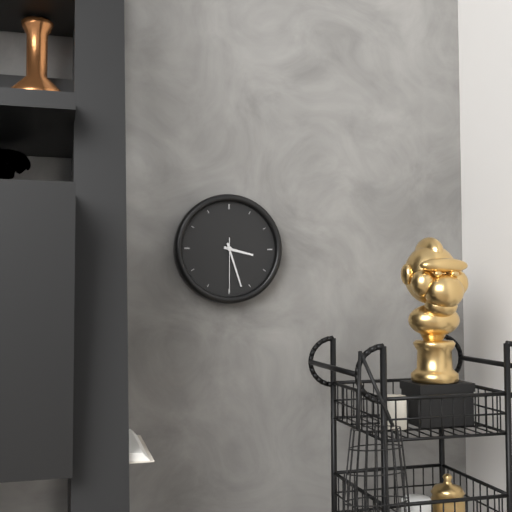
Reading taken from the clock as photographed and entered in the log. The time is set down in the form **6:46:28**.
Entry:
**3:27:30**
